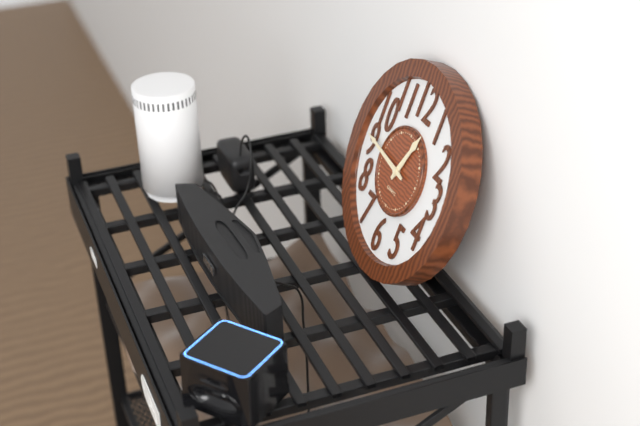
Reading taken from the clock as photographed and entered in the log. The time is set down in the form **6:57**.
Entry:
**12:46**
